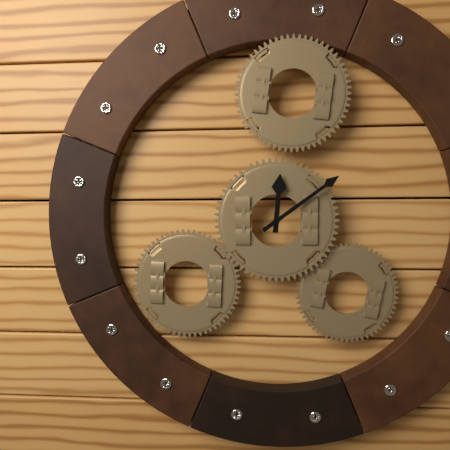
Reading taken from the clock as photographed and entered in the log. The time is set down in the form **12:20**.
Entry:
**12:09**
